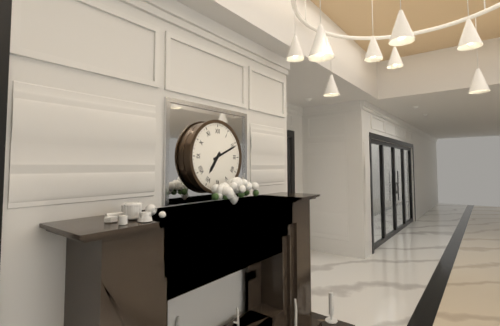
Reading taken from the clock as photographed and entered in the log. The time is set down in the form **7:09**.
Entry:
**7:11**
